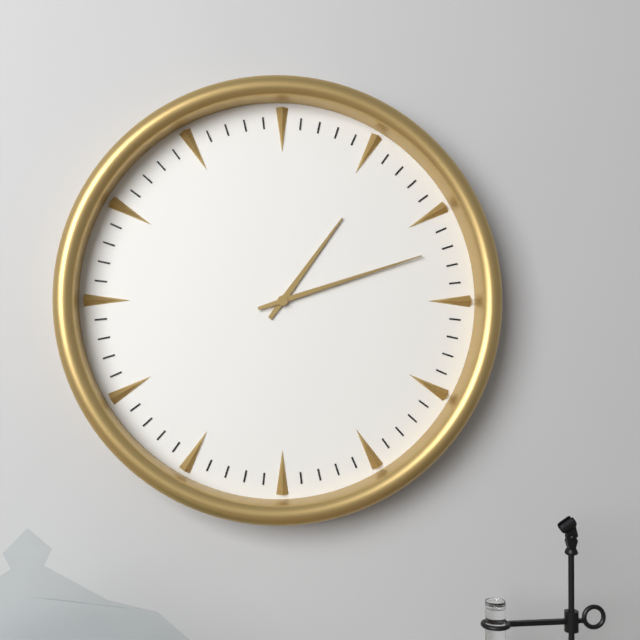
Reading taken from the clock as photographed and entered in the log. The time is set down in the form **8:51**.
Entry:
**1:12**
